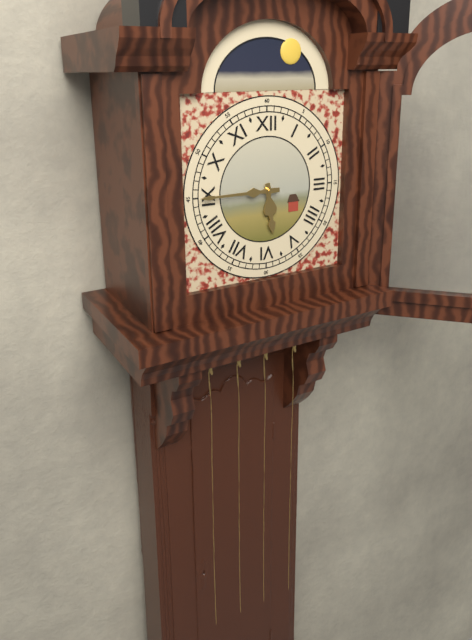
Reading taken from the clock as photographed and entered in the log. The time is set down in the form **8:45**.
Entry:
**5:45**
